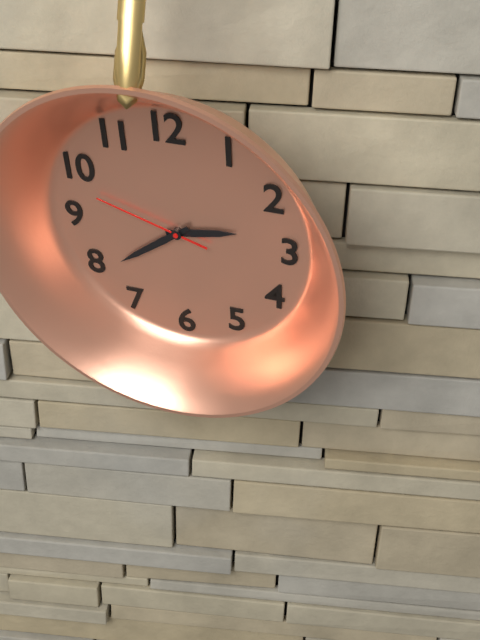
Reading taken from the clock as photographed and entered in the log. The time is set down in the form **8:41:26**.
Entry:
**2:39:48**
